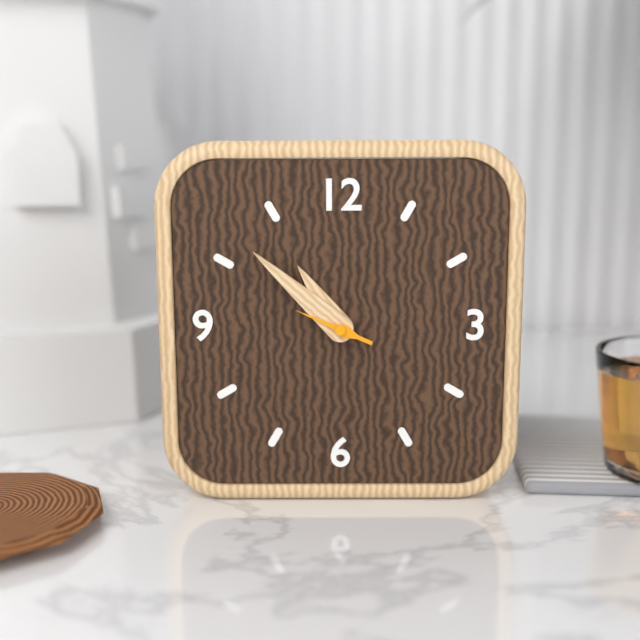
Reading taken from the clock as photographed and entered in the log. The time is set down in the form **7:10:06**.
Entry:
**10:52:49**
